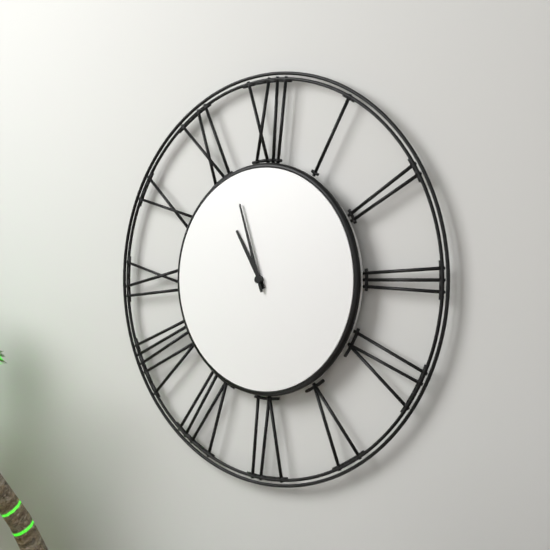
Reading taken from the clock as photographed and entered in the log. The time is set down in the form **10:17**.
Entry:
**10:57**
